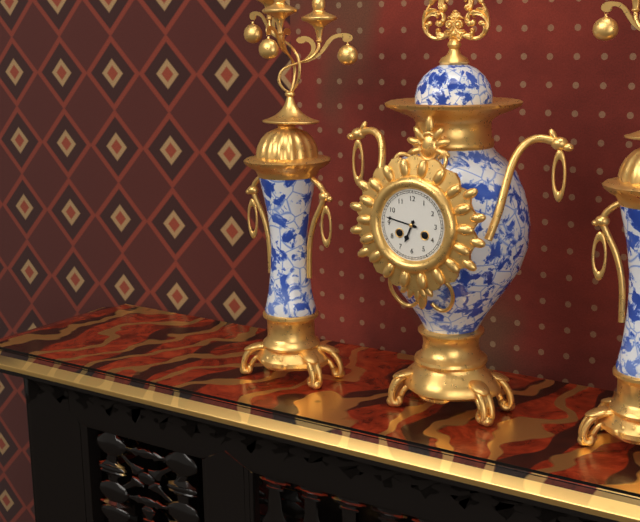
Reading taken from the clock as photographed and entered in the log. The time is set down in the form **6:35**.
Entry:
**6:47**
